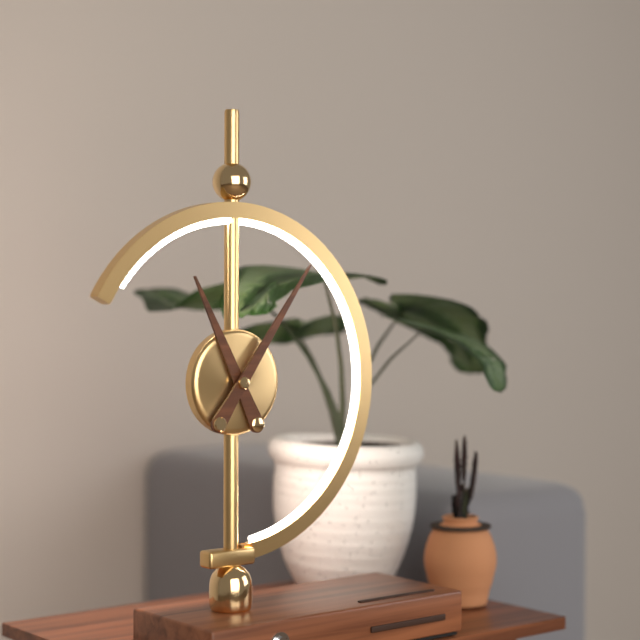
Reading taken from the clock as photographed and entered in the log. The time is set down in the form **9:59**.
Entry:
**11:06**
